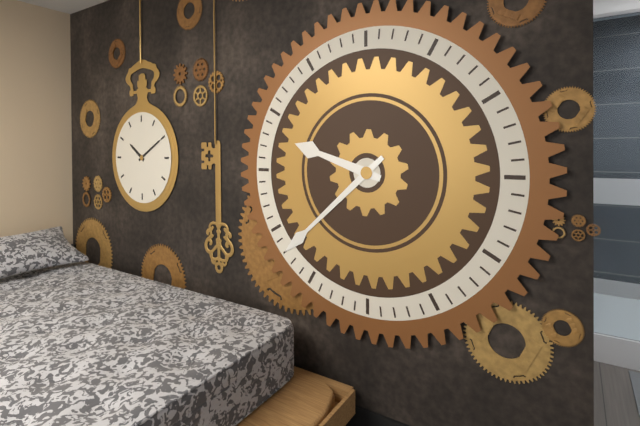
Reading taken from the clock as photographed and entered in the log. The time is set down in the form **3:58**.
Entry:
**9:38**
